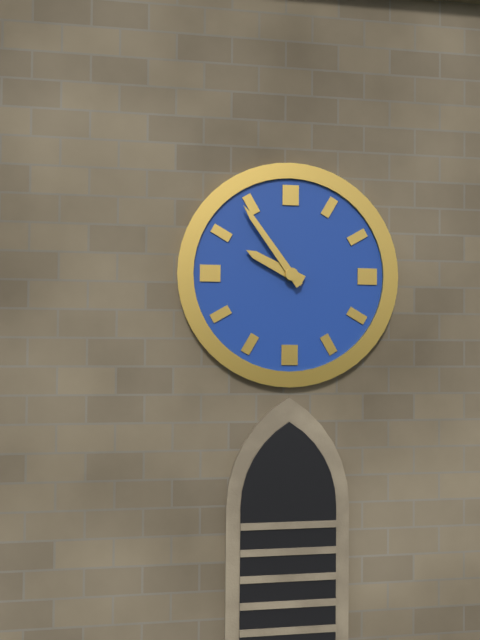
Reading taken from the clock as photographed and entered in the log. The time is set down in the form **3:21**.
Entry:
**9:54**
